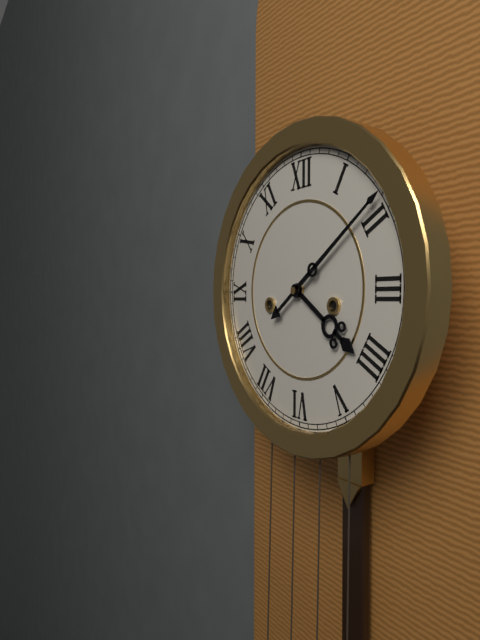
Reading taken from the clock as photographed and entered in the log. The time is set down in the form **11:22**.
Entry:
**4:09**
